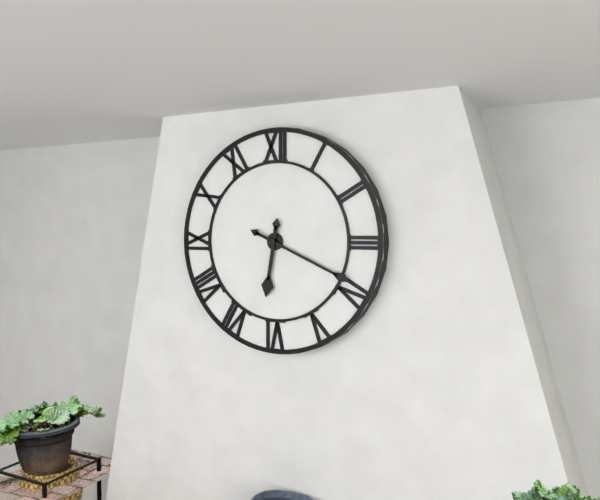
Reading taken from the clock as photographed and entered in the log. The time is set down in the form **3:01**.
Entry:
**6:19**
